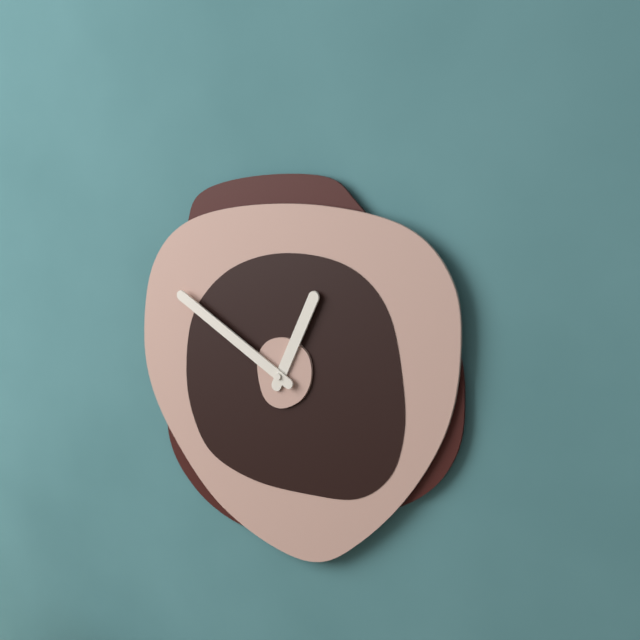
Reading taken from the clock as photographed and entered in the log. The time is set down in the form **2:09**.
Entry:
**12:50**
